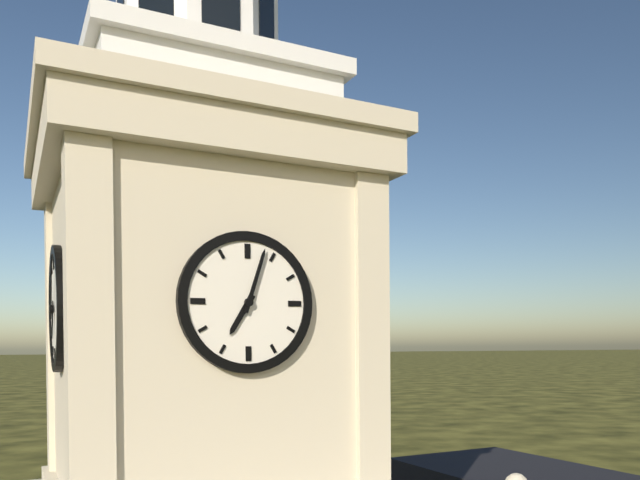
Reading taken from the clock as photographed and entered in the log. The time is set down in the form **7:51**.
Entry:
**7:03**
